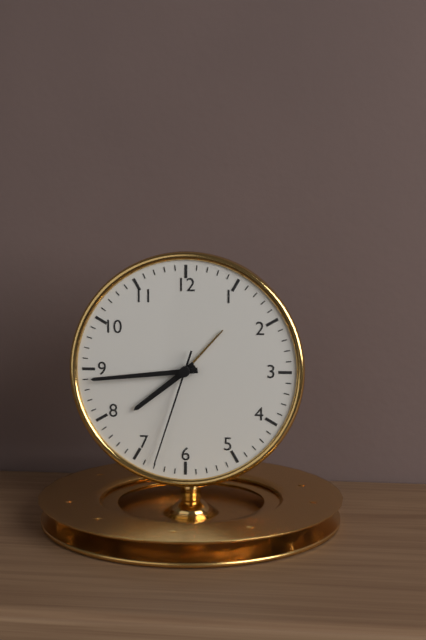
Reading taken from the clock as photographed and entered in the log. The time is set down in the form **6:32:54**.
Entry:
**7:44:33**
